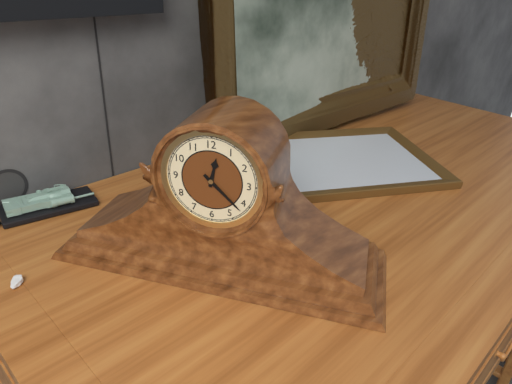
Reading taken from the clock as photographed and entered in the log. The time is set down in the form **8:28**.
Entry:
**12:22**
